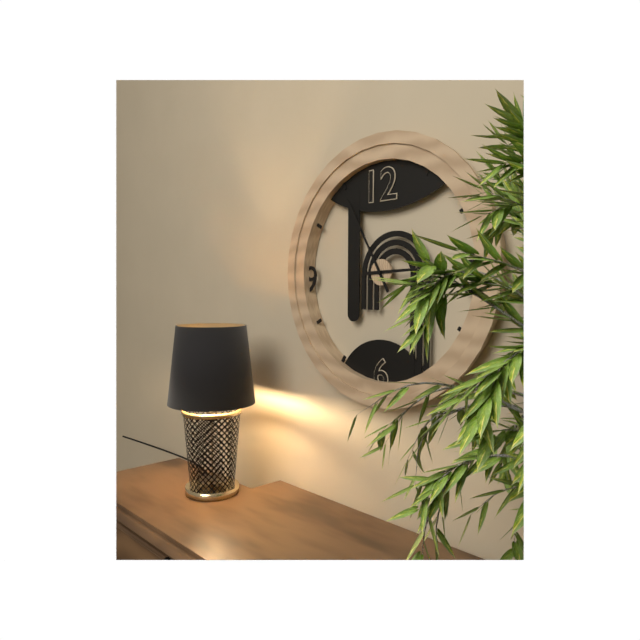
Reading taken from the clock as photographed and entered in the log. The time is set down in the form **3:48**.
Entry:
**2:55**
